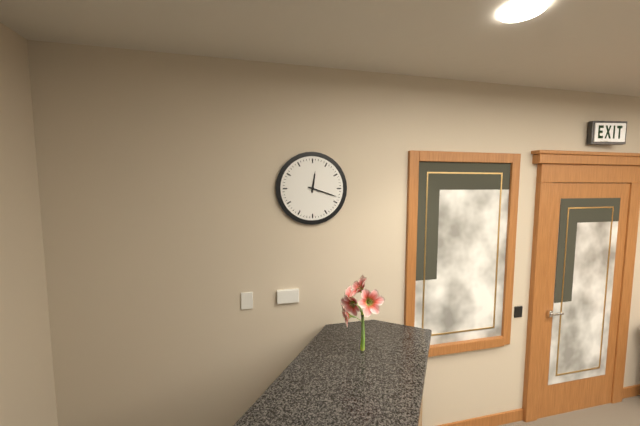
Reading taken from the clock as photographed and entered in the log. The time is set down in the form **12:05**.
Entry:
**12:18**
